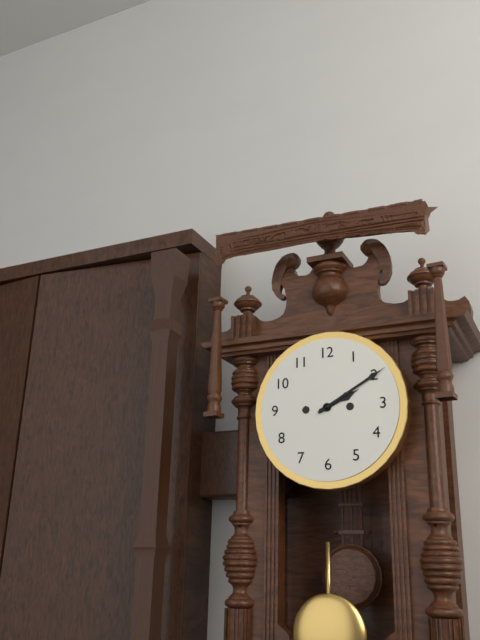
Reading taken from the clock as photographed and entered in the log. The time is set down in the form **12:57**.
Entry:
**2:10**
